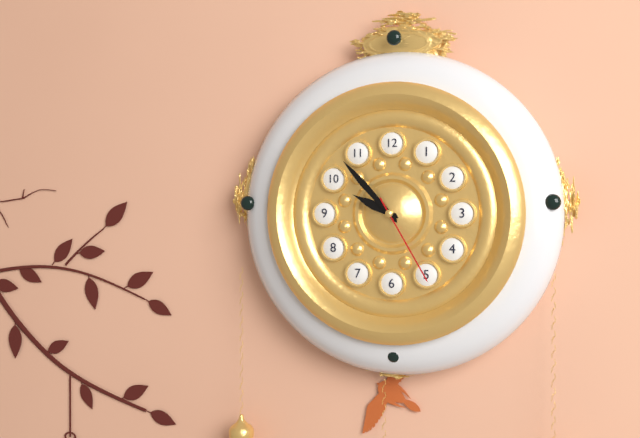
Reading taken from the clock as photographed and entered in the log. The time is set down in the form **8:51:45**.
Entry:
**9:53:25**
